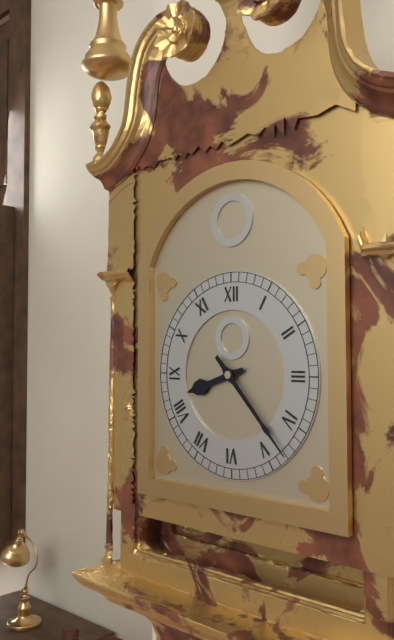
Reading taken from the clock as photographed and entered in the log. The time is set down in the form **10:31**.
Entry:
**8:23**
